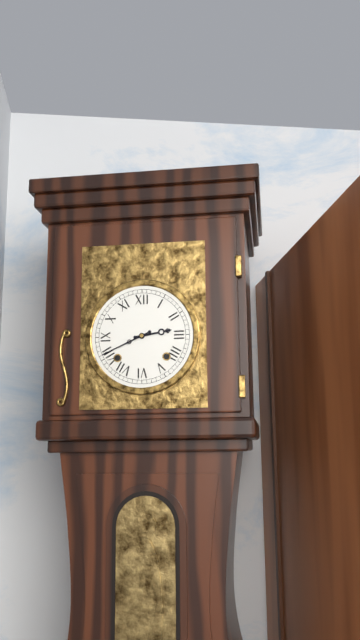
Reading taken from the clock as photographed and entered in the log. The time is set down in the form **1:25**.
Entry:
**2:41**
